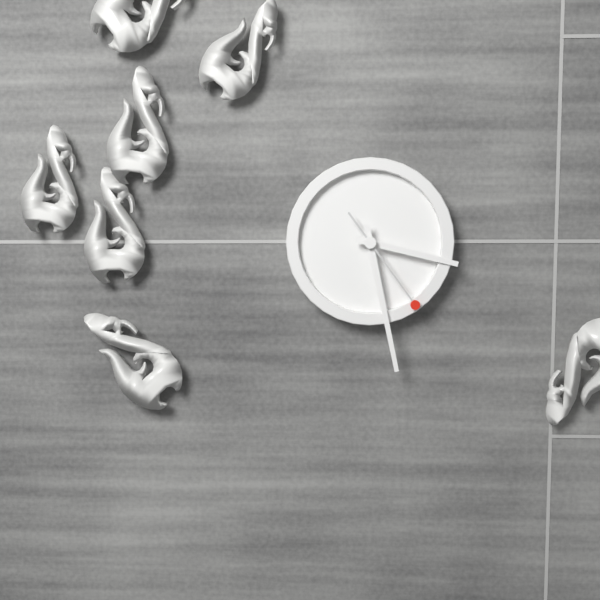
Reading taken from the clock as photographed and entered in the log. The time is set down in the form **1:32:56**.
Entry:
**3:28:24**
